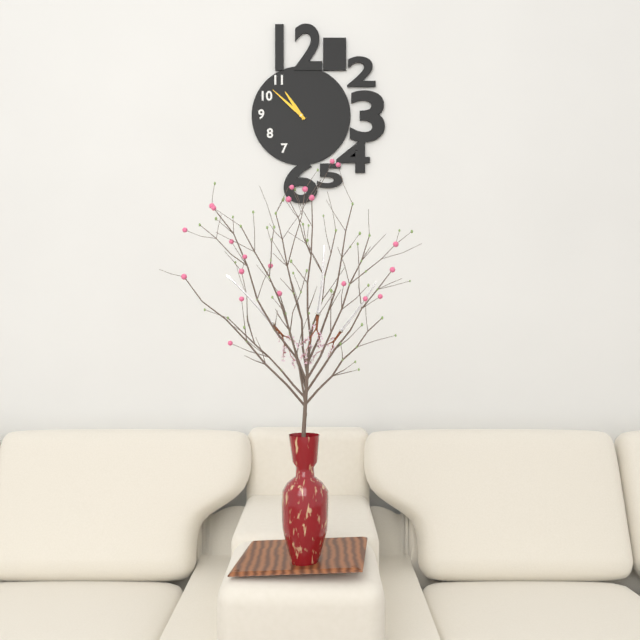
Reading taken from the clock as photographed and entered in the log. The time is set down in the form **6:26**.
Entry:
**10:52**
